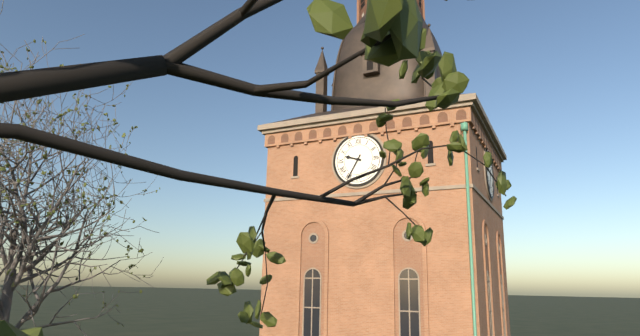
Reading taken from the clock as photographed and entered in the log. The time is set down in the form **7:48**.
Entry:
**9:35**
